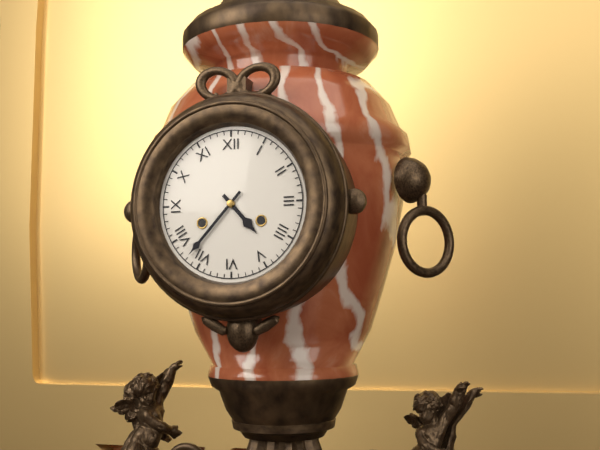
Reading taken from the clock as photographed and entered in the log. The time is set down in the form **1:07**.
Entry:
**4:37**
